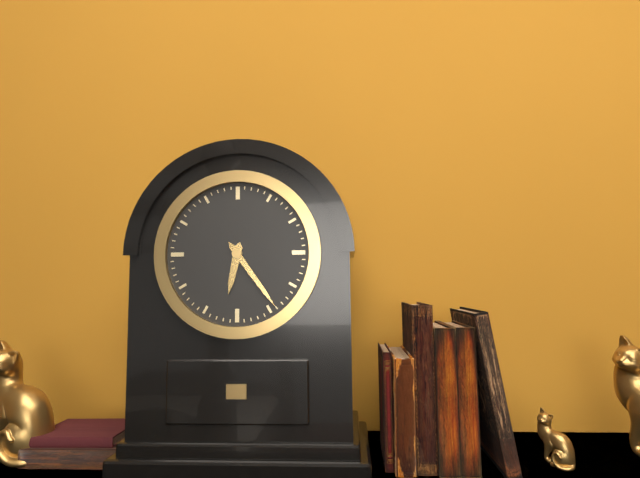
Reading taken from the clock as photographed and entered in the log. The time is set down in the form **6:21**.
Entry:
**6:24**
